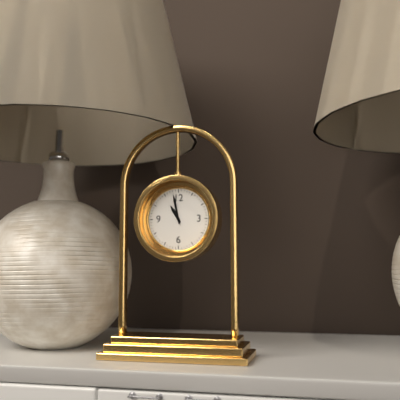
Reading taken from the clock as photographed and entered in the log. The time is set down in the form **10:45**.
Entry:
**10:58**
